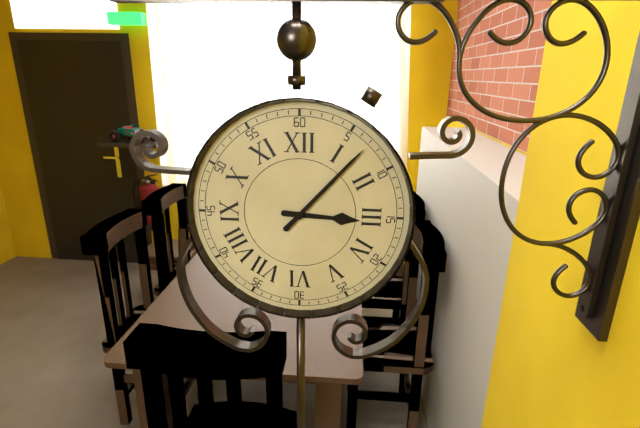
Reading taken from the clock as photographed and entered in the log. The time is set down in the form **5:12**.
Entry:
**3:07**
